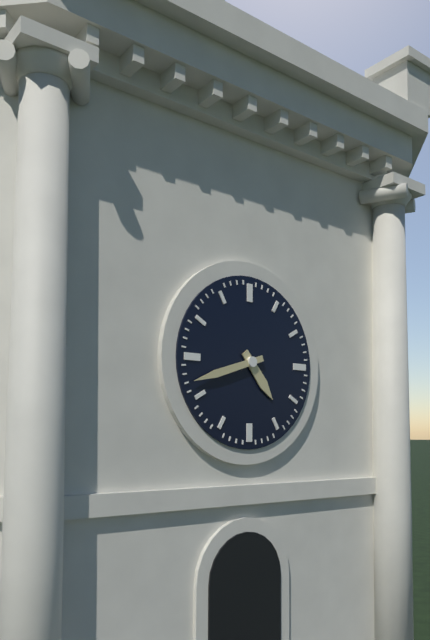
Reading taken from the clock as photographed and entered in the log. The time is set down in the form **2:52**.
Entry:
**4:42**
